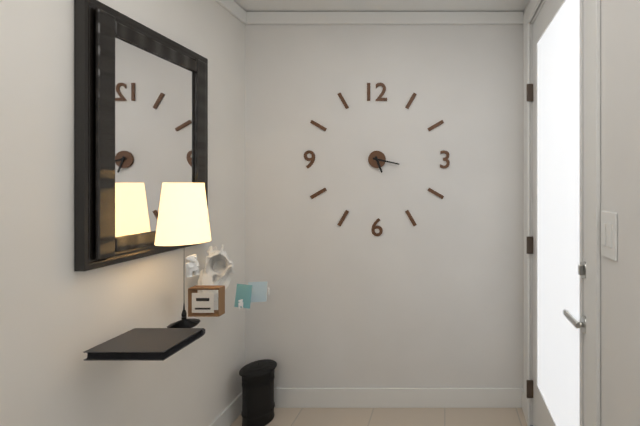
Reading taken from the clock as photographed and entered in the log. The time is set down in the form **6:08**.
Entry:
**5:17**
